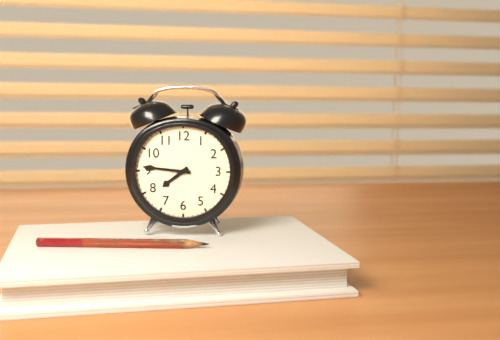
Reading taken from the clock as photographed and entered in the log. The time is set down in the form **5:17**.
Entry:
**7:46**
